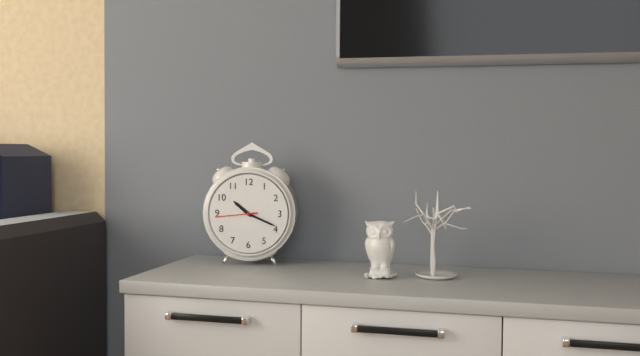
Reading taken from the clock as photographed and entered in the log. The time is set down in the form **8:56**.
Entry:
**10:19**
